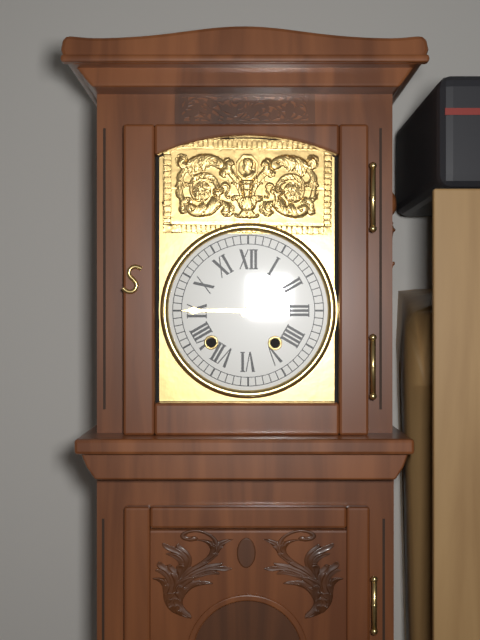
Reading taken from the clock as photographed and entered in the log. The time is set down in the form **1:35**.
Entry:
**1:45**
